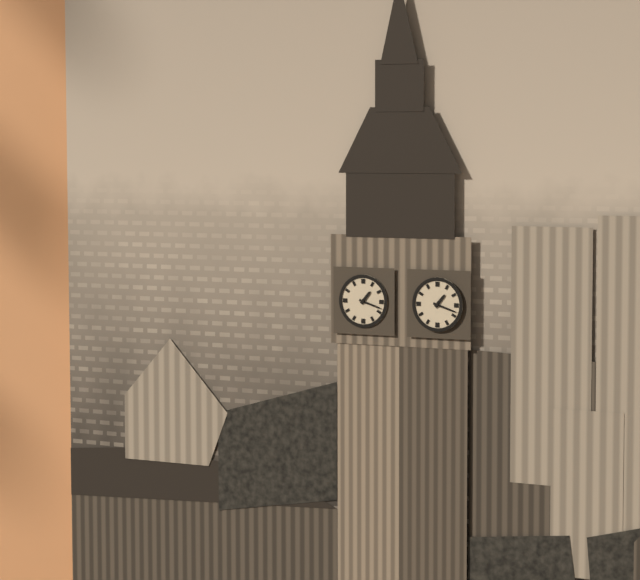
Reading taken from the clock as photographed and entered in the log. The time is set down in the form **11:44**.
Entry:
**1:18**
